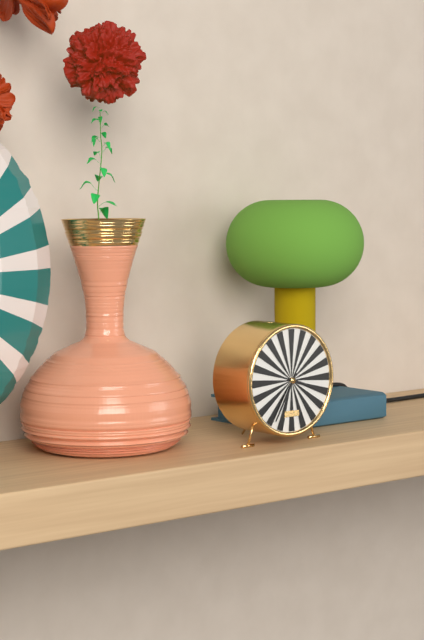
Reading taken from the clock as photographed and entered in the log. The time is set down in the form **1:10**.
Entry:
**3:35**
